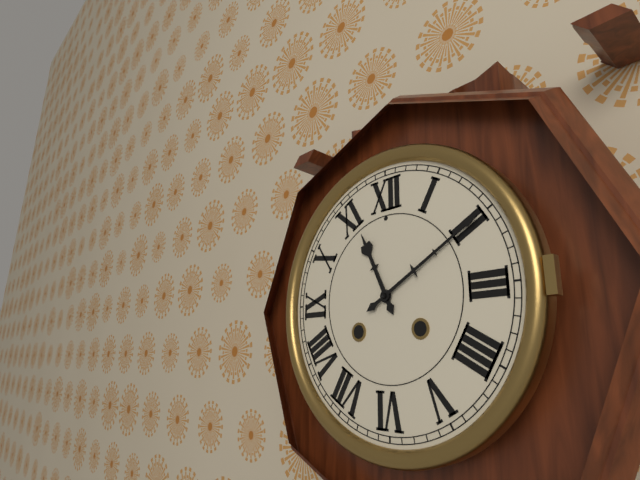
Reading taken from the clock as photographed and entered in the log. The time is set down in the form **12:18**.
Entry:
**11:10**
